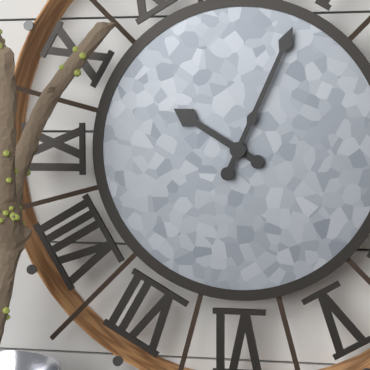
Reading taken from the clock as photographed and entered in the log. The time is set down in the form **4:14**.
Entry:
**10:04**
